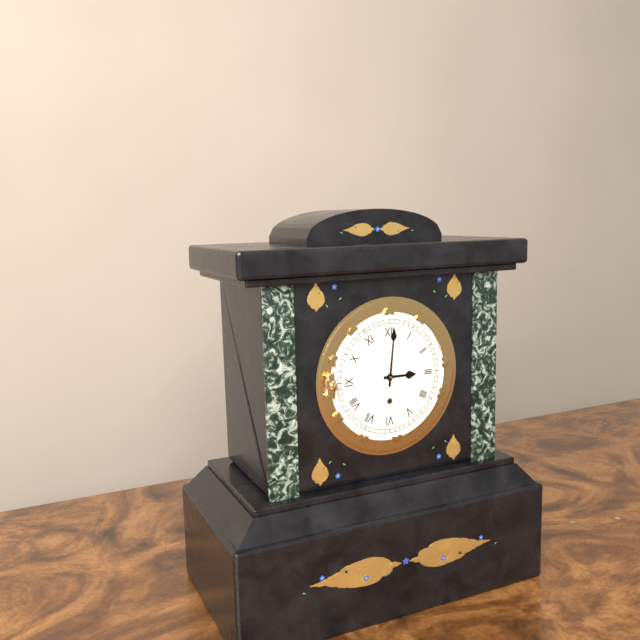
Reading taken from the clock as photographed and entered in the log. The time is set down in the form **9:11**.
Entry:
**3:01**
